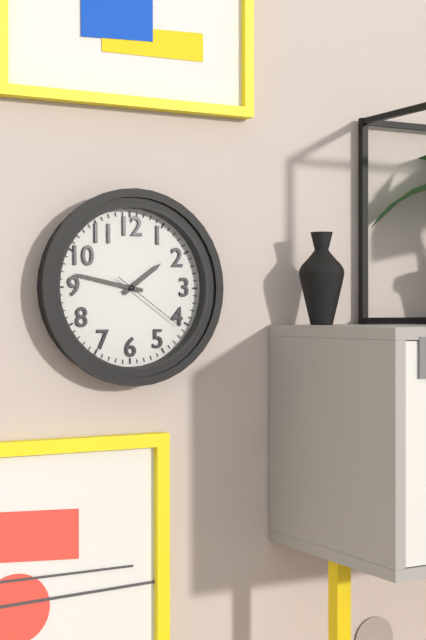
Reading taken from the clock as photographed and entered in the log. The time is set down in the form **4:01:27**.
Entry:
**1:47:21**
